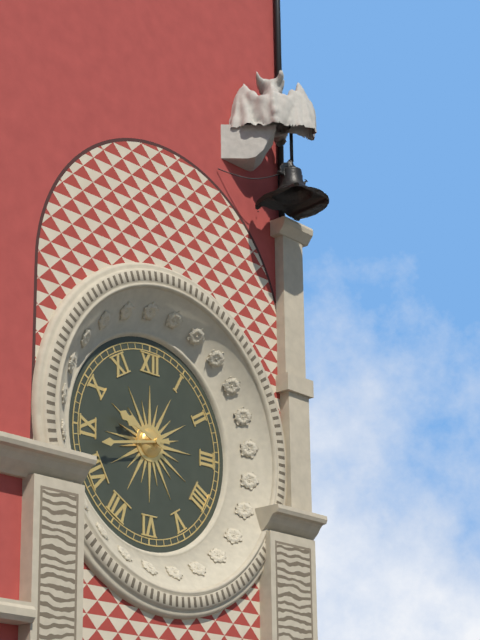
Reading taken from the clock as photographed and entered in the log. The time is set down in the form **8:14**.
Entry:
**9:43**
